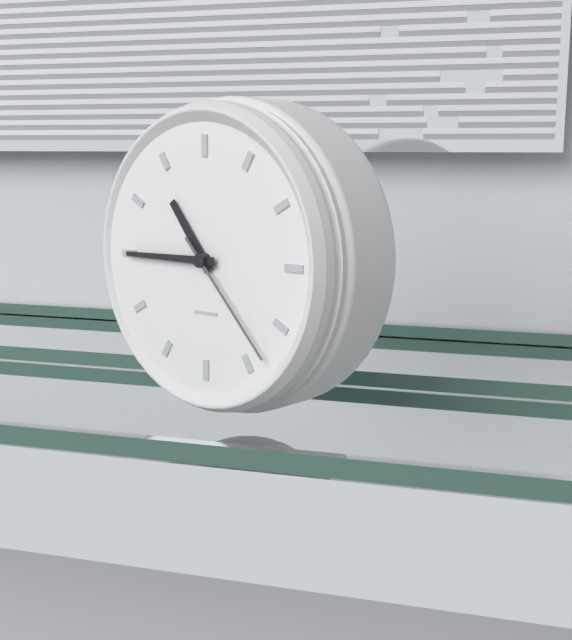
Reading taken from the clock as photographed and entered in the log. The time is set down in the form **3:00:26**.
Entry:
**10:45:23**
